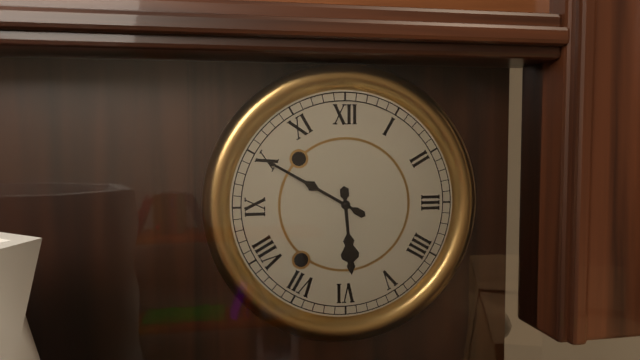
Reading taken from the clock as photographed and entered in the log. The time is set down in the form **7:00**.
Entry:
**5:50**
